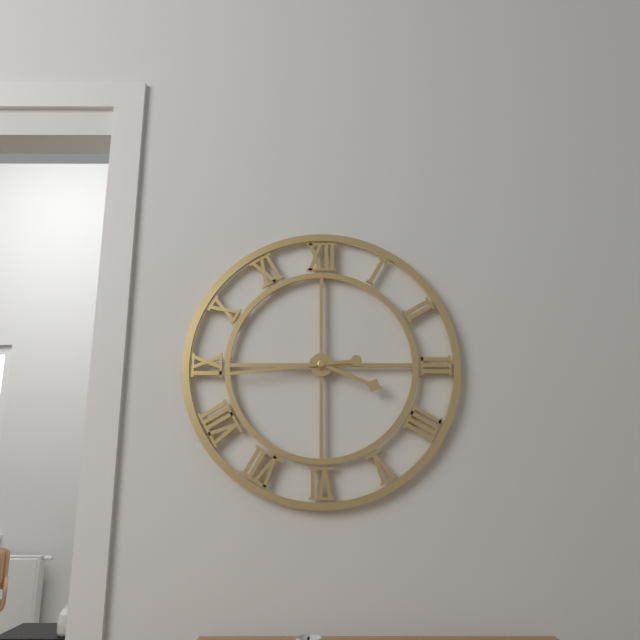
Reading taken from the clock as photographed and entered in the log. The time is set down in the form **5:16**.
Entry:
**3:44**
